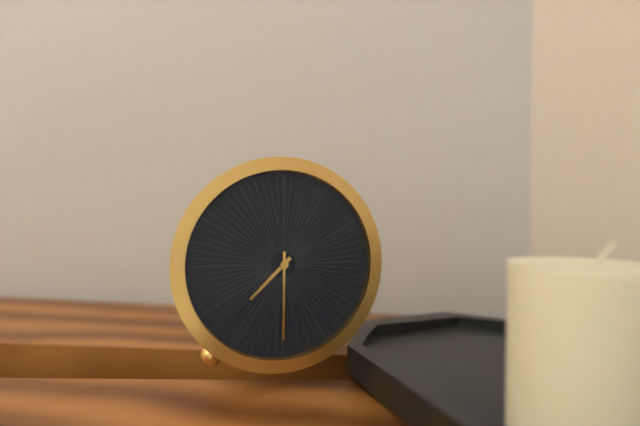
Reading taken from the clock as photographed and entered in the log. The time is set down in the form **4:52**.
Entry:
**7:30**
